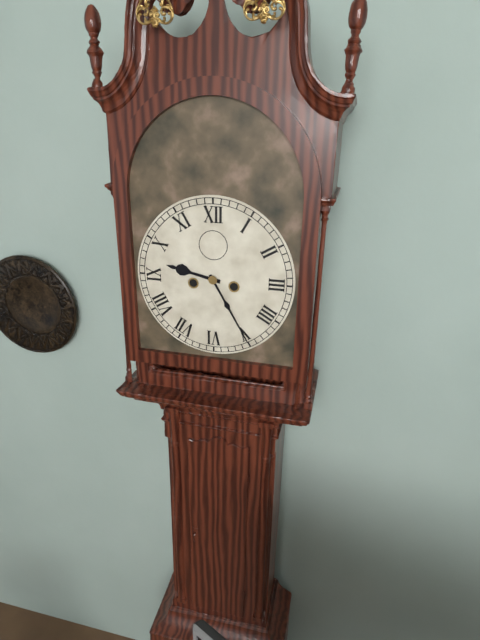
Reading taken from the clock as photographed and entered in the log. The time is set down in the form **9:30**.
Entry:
**9:25**
